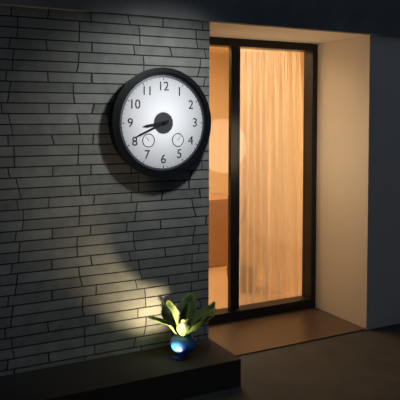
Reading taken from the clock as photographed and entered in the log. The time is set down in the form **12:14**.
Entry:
**8:41**
